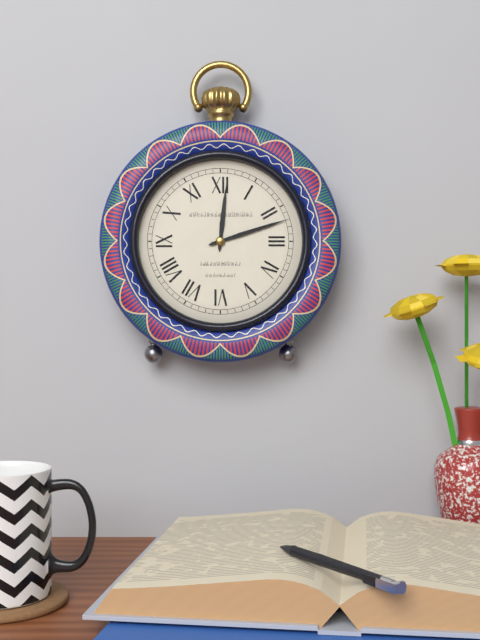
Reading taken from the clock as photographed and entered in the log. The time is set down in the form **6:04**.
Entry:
**12:12**
